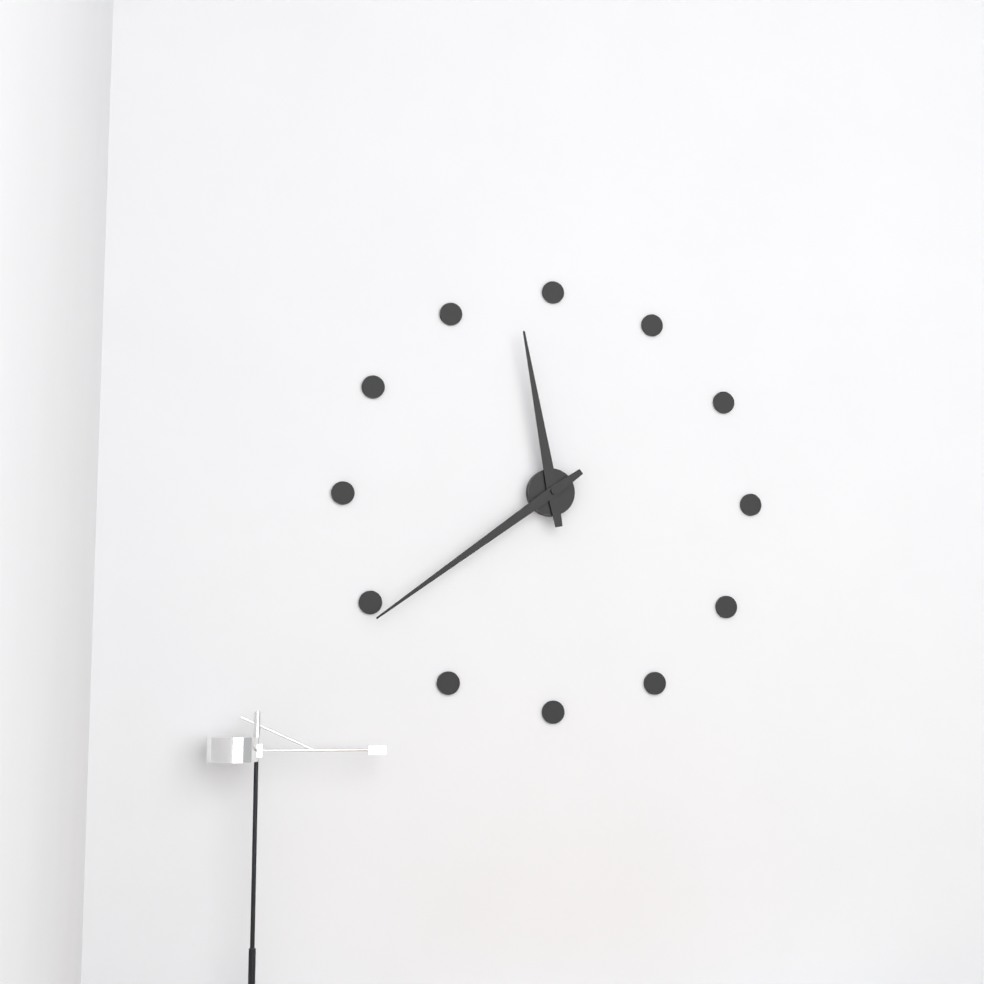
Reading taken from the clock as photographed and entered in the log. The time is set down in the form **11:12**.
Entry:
**11:39**
